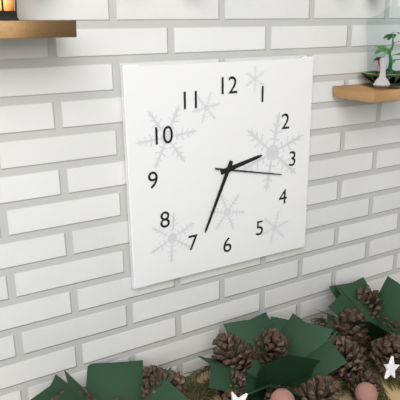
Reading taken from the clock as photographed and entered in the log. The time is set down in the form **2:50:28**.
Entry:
**2:34:17**
